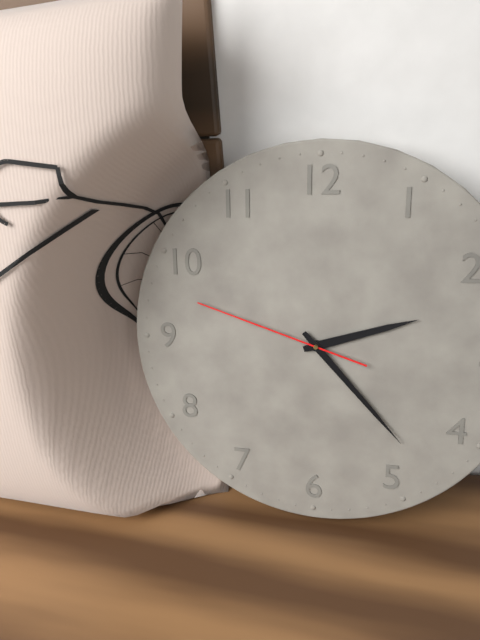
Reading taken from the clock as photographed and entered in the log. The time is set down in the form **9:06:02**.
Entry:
**2:23:48**
